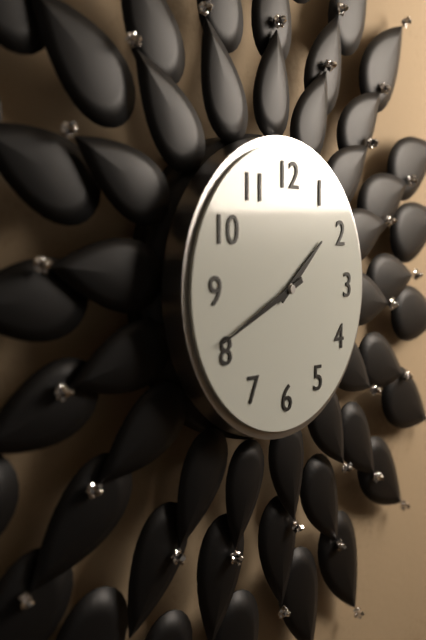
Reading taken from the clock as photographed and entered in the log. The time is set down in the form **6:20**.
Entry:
**1:41**
